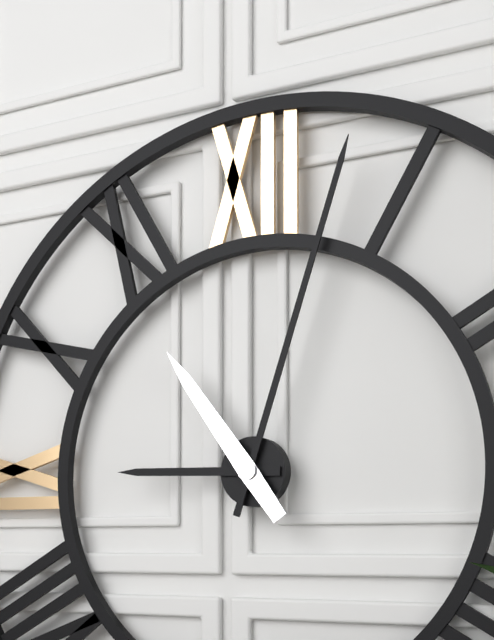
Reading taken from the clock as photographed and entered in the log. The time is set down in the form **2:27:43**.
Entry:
**9:03:54**
